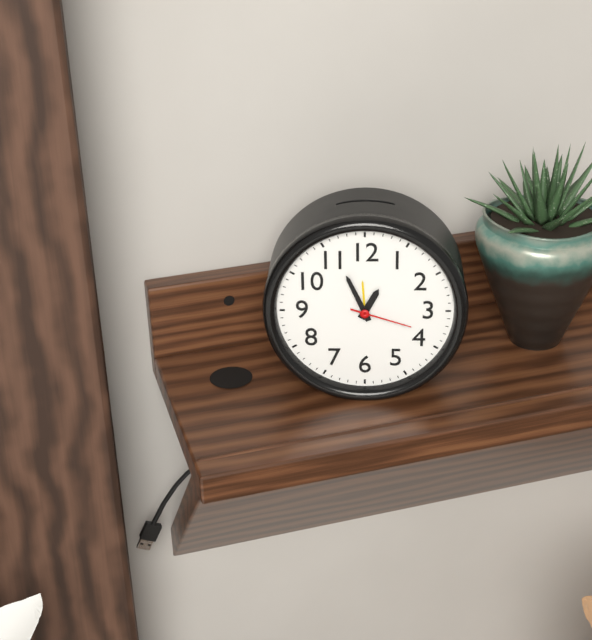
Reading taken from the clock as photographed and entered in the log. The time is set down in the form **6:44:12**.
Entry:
**12:56:18**
